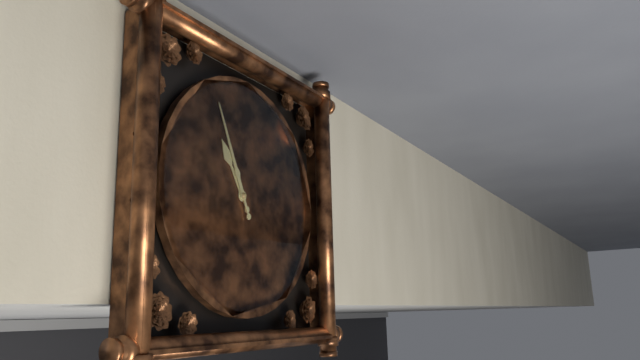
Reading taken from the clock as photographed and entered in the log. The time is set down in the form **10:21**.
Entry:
**10:56**
